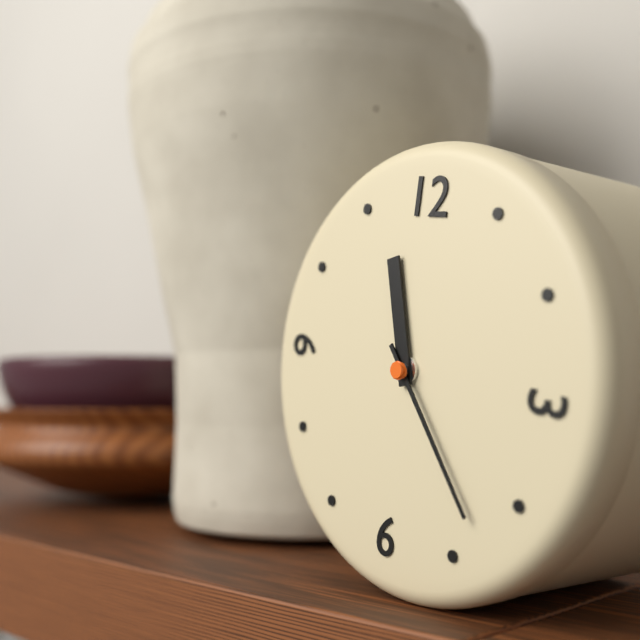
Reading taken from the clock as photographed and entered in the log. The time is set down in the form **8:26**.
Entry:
**11:23**
